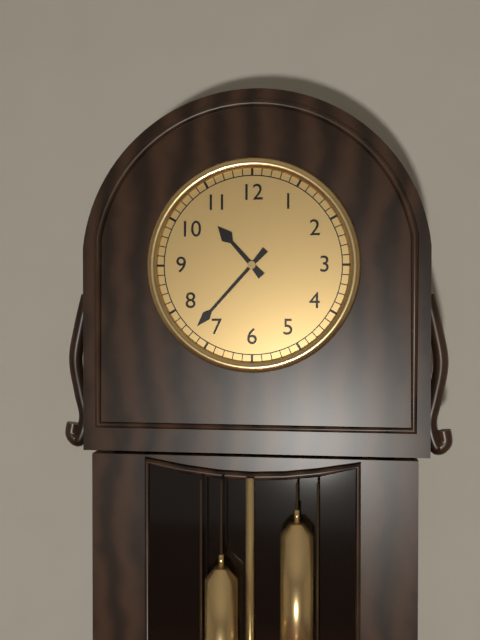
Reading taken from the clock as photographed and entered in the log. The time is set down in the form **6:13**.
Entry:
**10:37**
